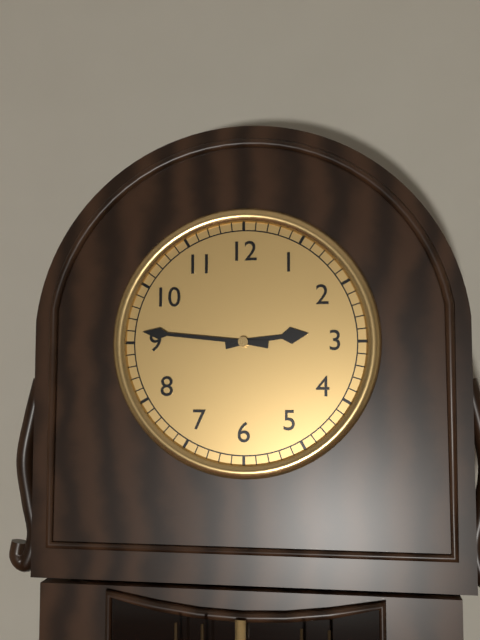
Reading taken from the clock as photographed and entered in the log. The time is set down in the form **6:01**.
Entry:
**2:46**
